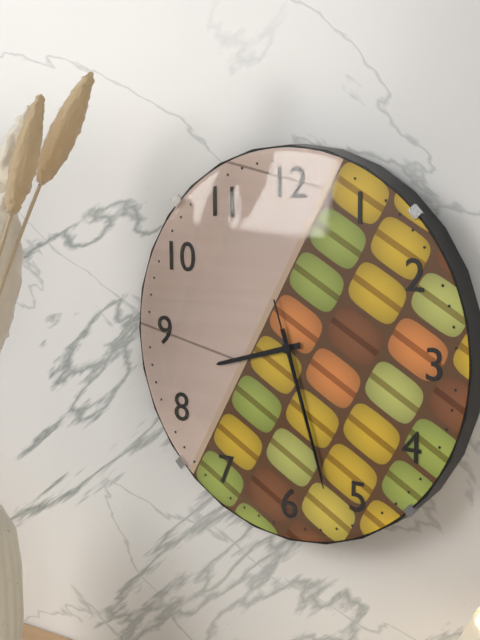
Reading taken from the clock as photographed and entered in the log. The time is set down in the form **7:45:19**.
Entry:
**8:27:27**
